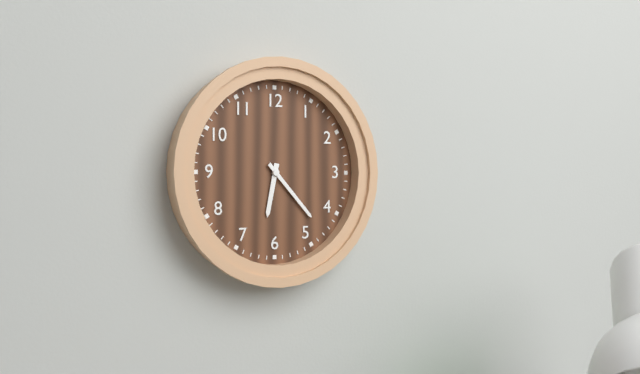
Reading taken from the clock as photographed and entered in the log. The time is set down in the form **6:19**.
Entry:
**6:23**
